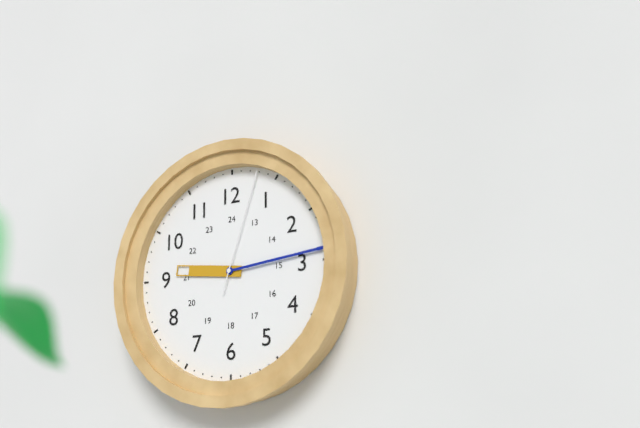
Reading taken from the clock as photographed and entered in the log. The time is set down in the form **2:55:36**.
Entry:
**9:14:03**
